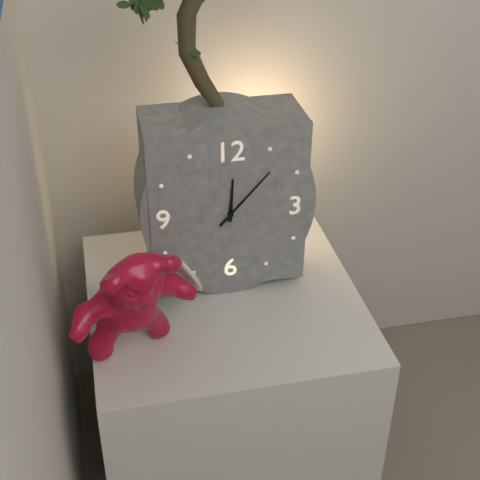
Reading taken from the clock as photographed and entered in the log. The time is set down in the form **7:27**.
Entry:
**12:07**
